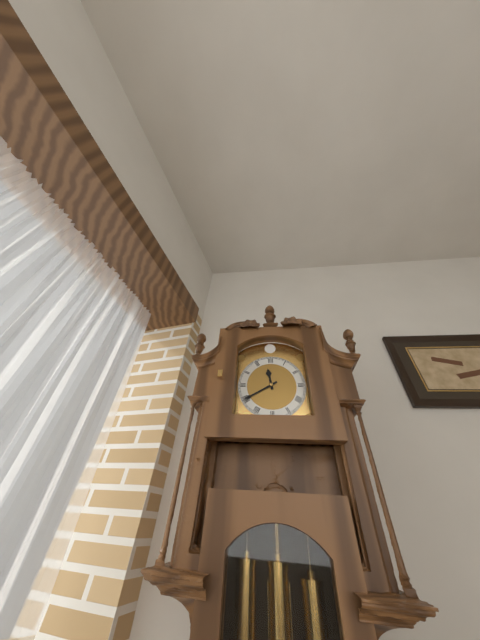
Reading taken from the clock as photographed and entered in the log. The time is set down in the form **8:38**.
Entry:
**11:40**
